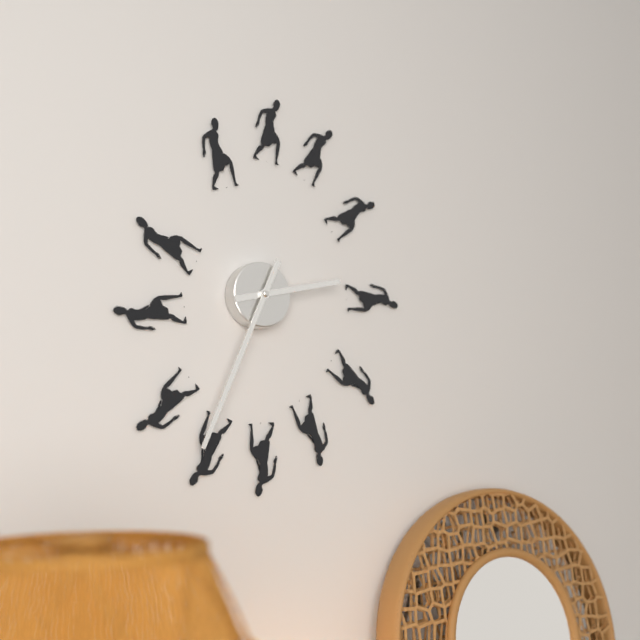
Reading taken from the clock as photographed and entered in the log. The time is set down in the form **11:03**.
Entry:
**2:34**
